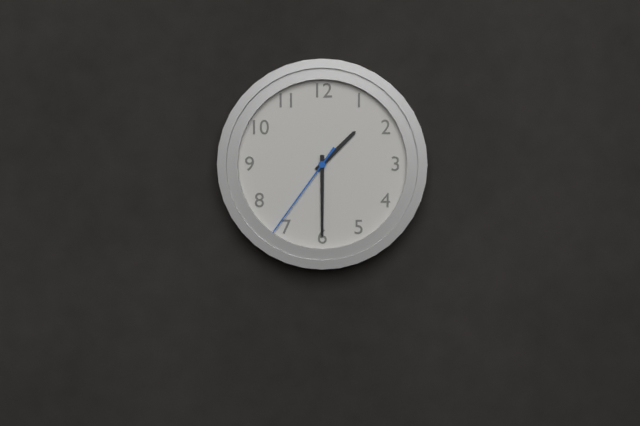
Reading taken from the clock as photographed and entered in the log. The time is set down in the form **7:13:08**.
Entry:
**1:30:36**
